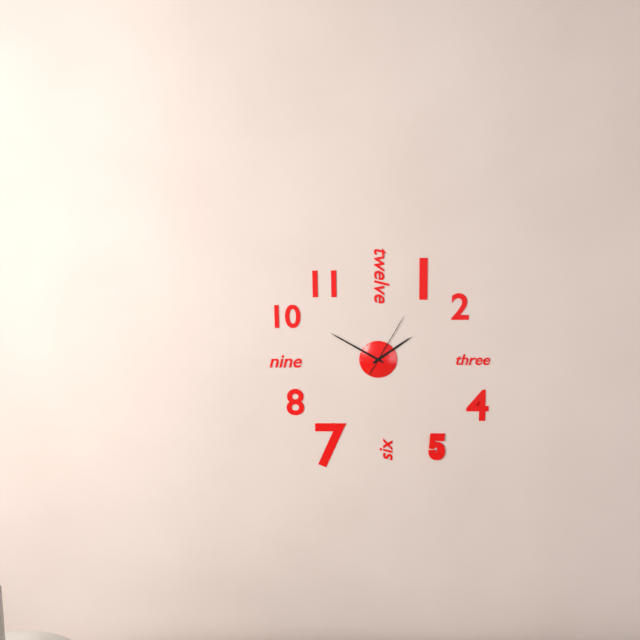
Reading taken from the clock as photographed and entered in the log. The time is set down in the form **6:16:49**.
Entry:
**1:50:05**
